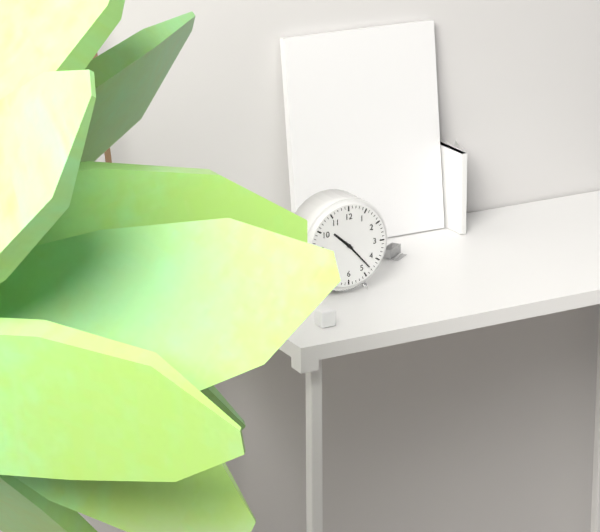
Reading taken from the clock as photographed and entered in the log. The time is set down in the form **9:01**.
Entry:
**10:23**
